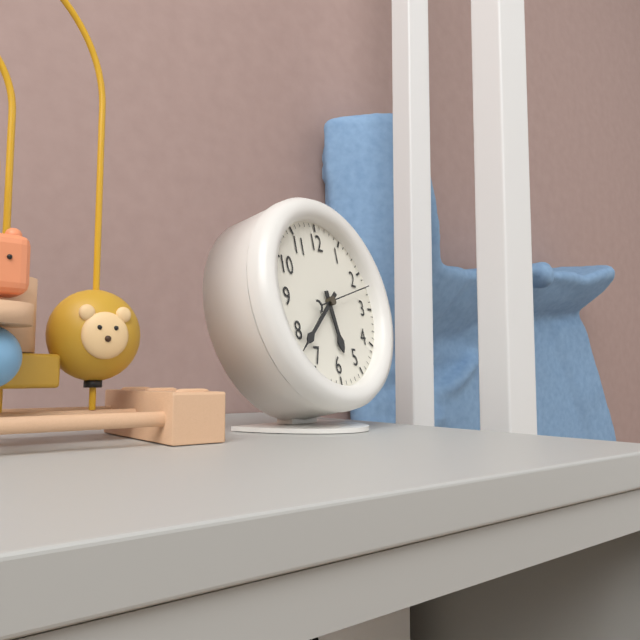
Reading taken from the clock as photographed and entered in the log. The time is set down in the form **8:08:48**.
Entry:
**5:38:12**
